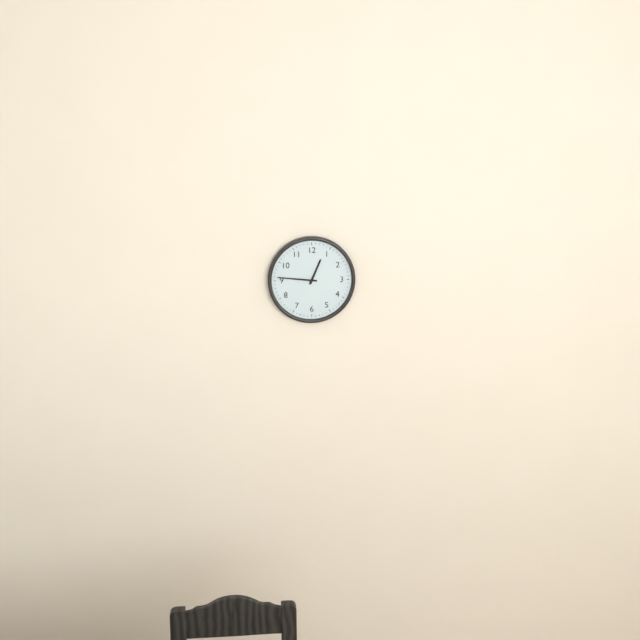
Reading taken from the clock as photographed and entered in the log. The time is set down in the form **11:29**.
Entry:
**12:46**
